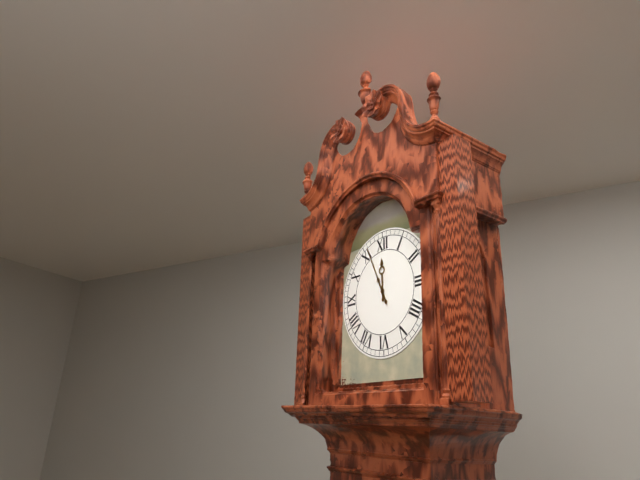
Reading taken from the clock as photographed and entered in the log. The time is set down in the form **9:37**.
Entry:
**11:56**
